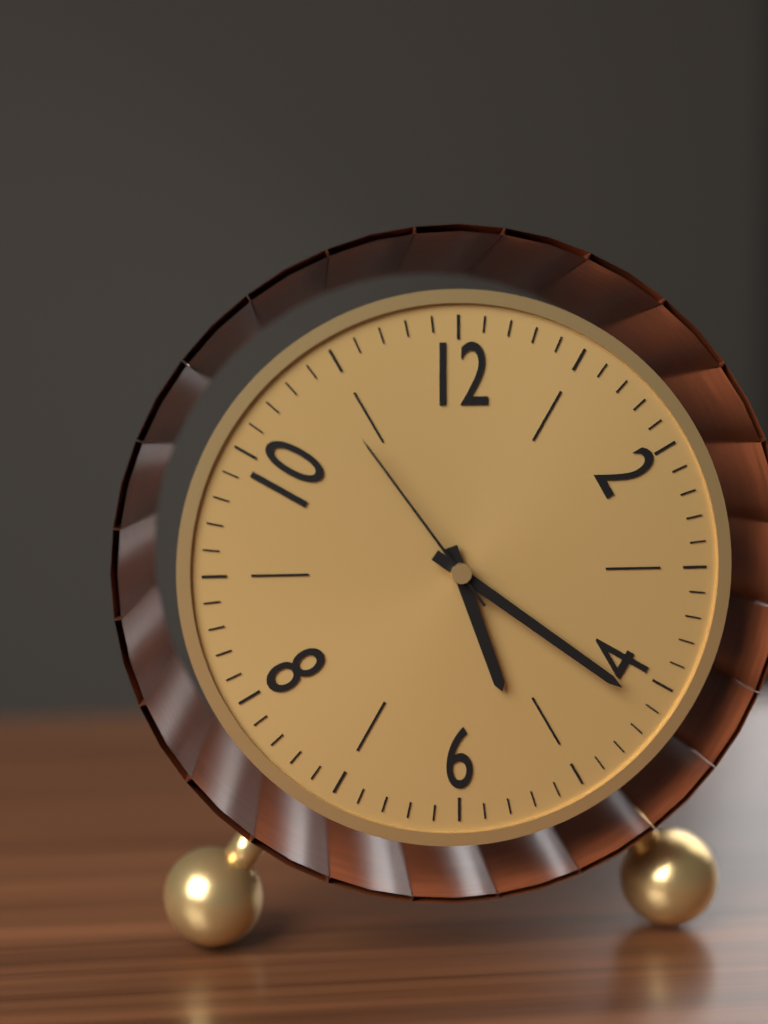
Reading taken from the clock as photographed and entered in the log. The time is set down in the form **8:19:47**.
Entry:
**5:21:54**
